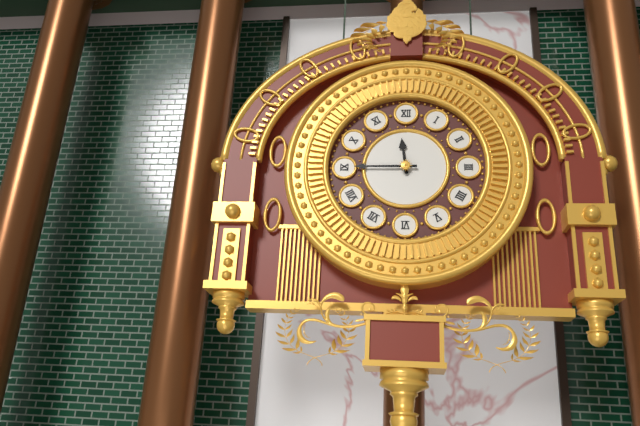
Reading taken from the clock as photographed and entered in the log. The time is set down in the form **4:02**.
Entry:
**11:45**
